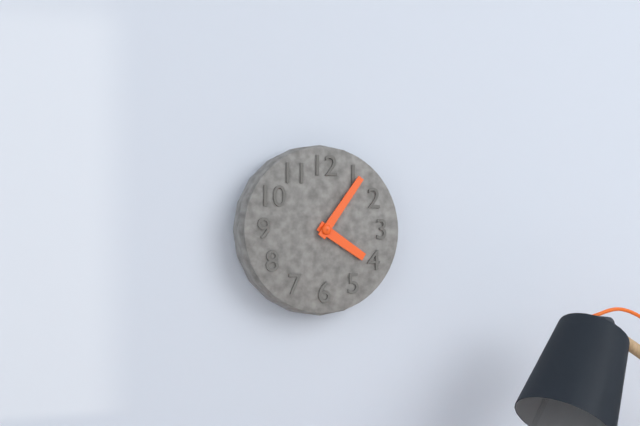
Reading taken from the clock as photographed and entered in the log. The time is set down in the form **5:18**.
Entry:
**4:06**
